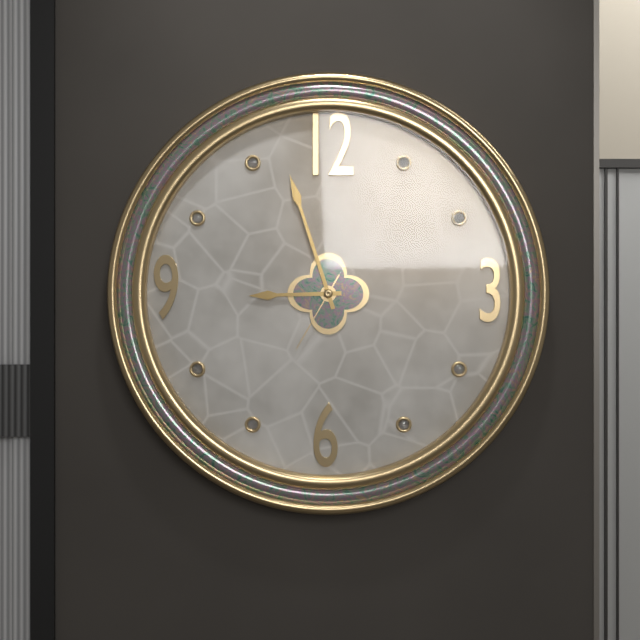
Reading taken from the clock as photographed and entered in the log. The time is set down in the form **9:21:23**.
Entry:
**8:57:35**
